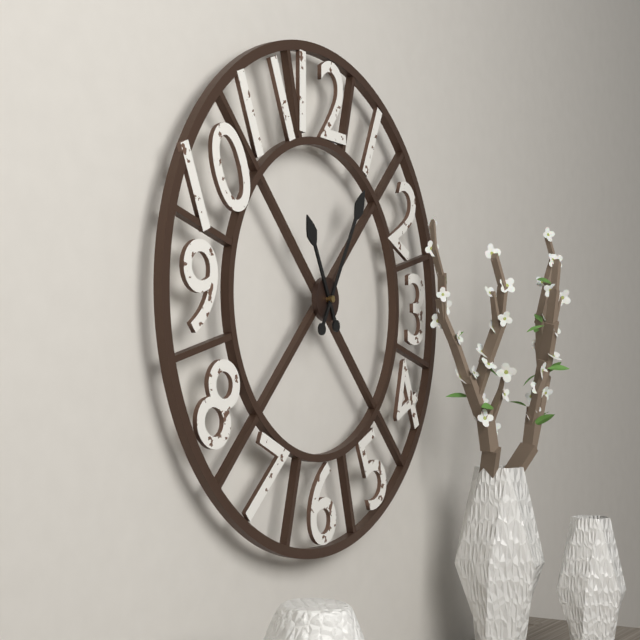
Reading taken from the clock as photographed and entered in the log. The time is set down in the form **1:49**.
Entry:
**11:05**
